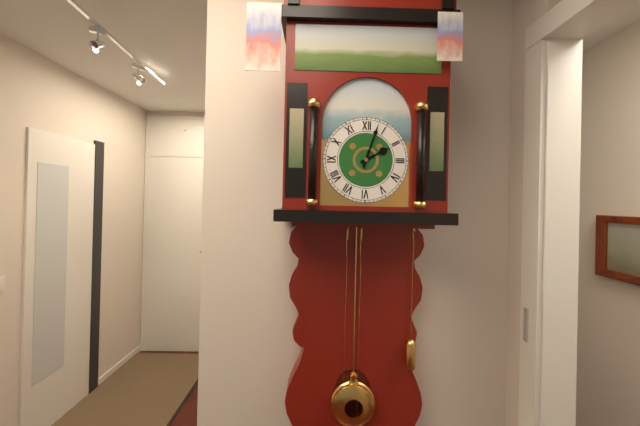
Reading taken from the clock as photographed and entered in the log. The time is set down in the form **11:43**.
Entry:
**2:03**
